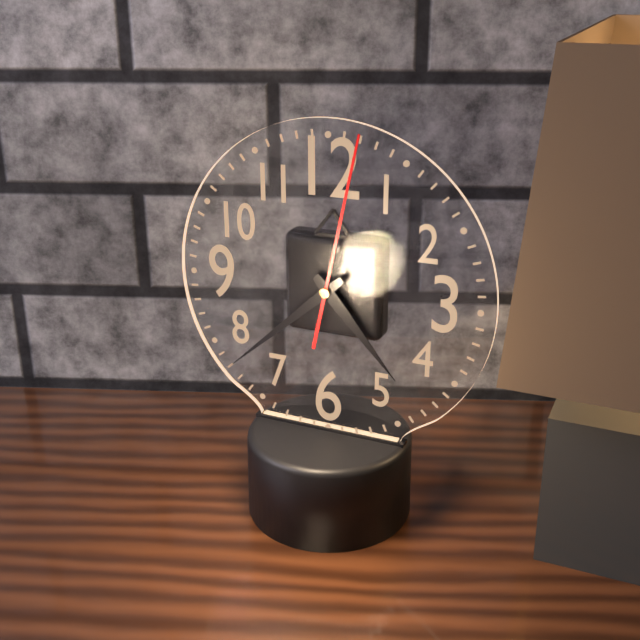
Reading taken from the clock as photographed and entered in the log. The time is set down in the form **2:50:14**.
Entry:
**4:38:02**
